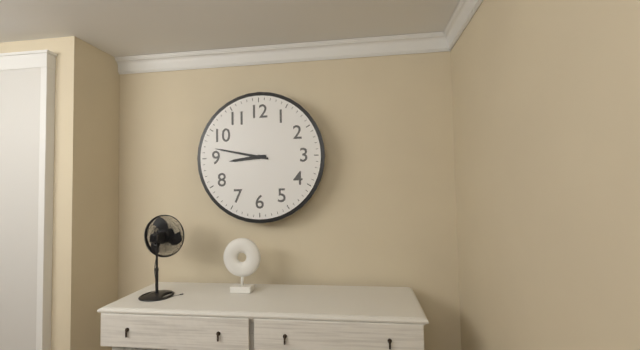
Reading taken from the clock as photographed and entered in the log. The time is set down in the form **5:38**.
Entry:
**8:47**
